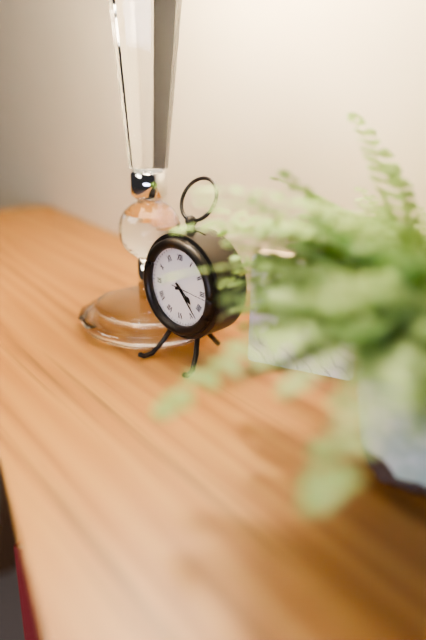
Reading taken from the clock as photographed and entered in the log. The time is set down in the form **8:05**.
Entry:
**4:23**
